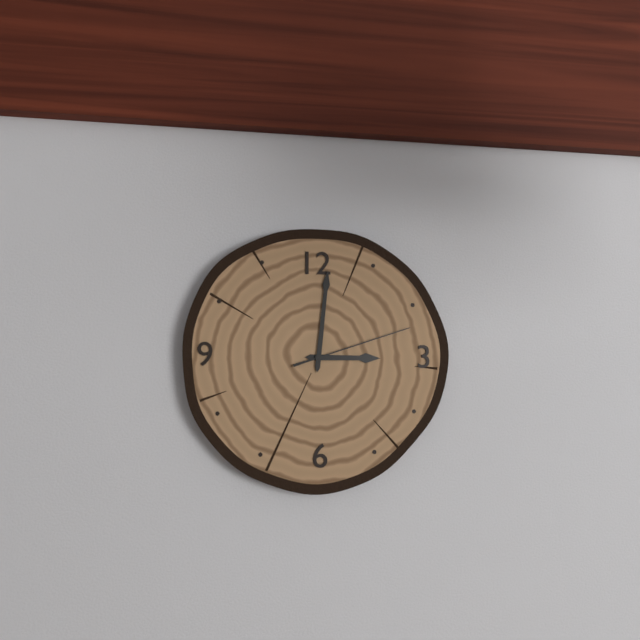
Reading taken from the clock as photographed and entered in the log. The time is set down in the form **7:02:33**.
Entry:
**3:01:12**
